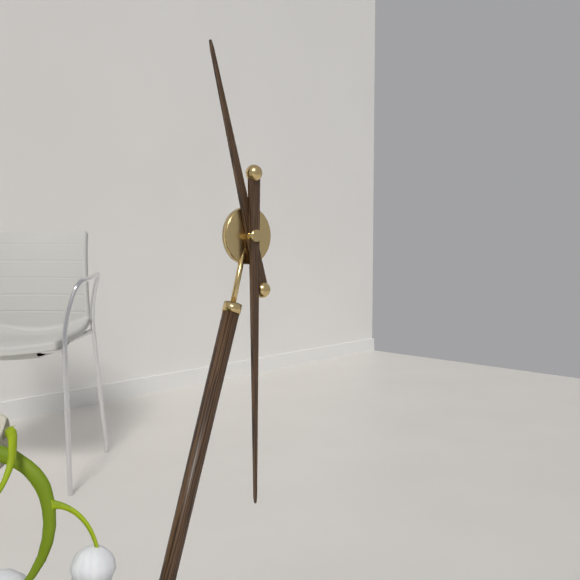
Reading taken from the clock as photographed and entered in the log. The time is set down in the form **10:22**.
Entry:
**11:30**
